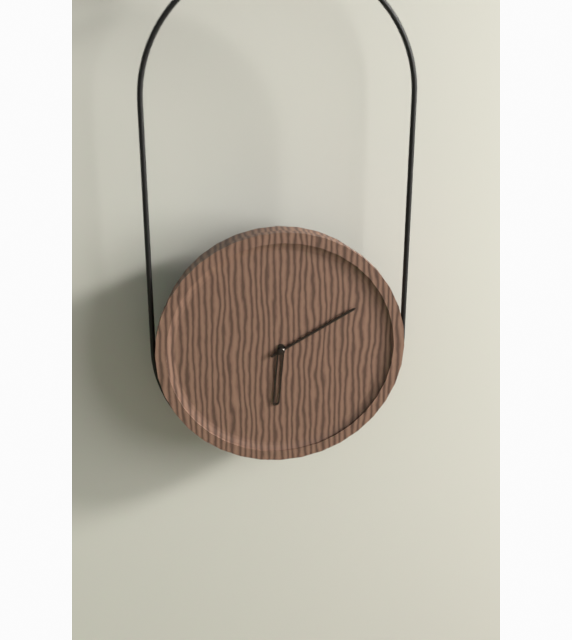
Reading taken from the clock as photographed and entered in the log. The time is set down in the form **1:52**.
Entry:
**6:10**
